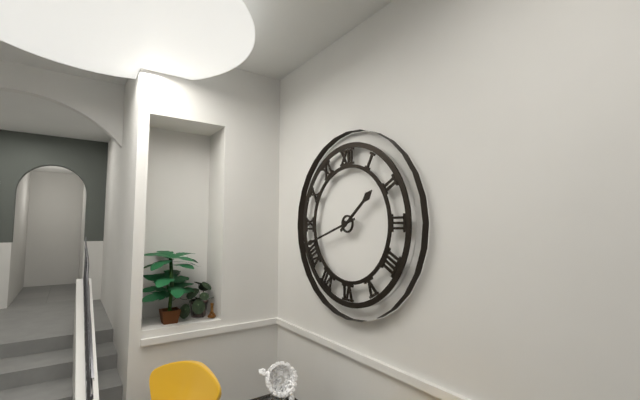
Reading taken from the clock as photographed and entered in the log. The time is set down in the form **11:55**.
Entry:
**1:42**
